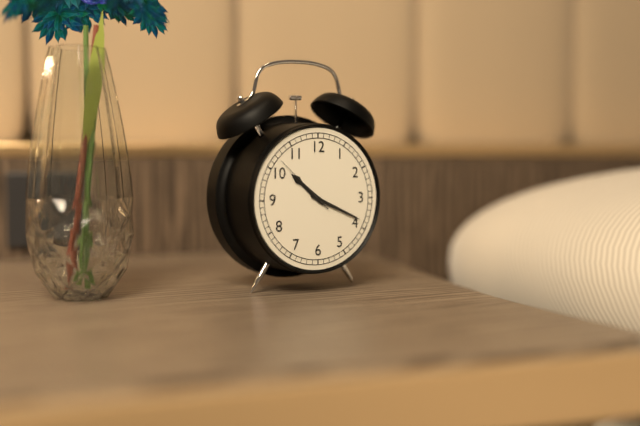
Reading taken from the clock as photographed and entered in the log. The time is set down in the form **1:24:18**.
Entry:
**10:19:52**
